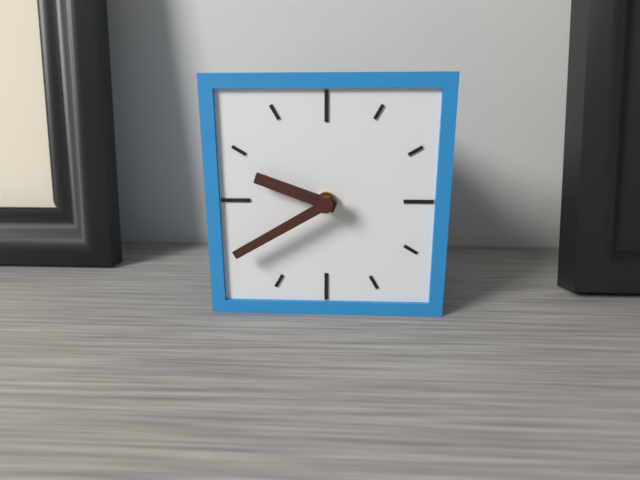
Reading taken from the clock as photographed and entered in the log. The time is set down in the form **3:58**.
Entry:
**9:40**
